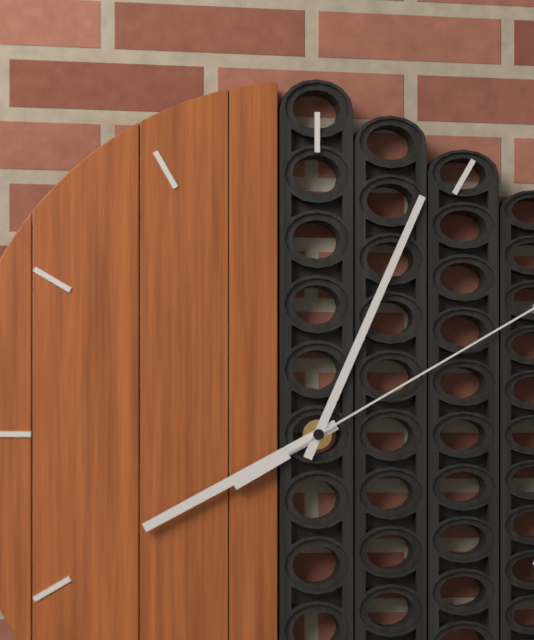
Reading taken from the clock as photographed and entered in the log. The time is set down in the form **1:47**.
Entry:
**8:04**
